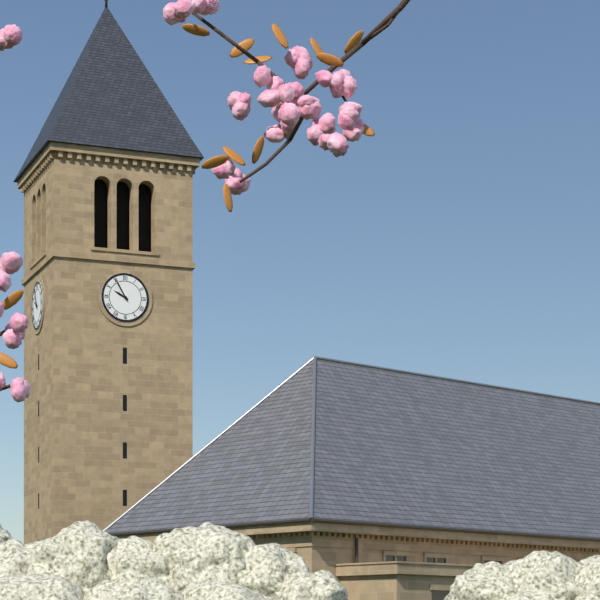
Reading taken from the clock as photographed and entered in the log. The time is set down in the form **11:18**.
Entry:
**9:55**
